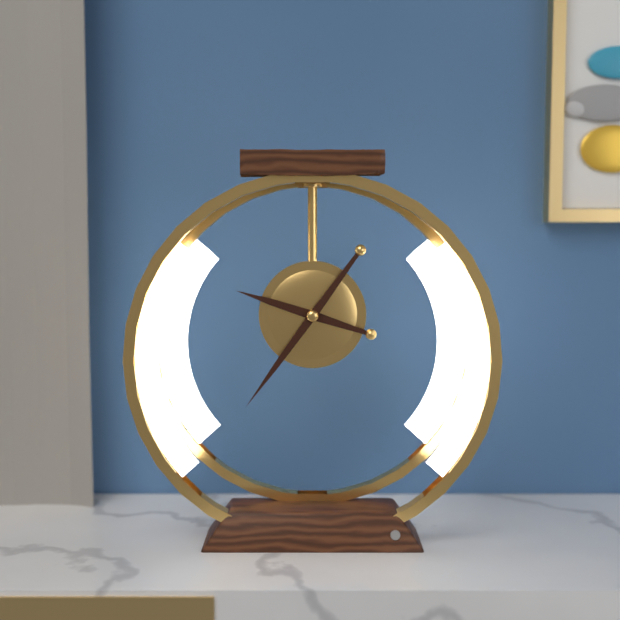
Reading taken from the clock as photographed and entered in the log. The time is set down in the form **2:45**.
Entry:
**9:36**
